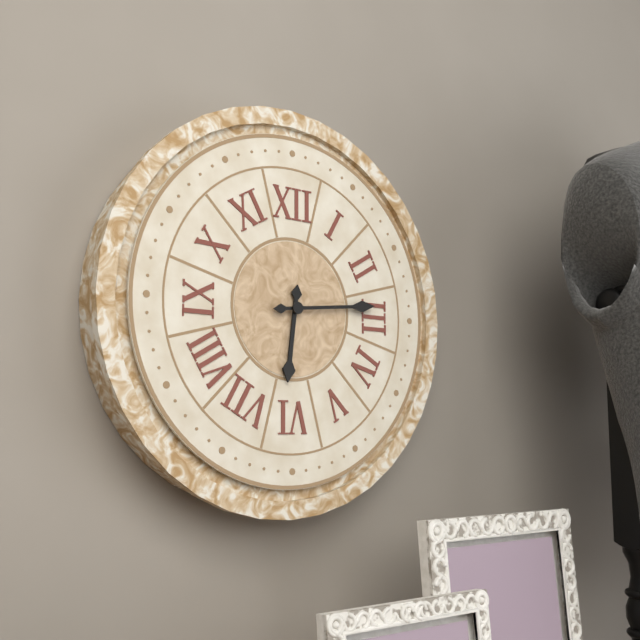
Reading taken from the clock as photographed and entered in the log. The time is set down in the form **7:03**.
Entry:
**6:14**
